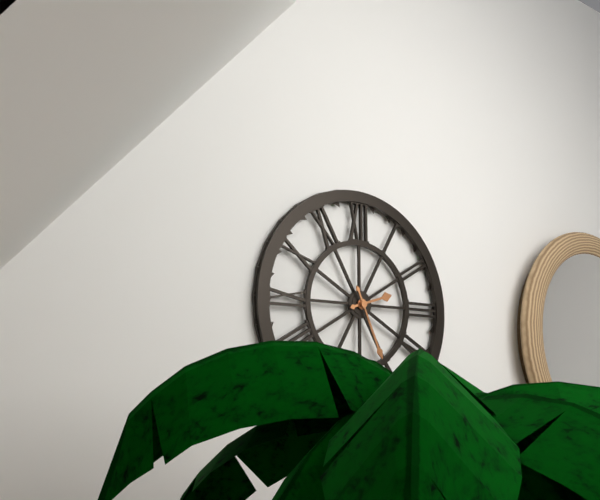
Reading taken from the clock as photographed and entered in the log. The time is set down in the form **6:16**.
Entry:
**2:26**
